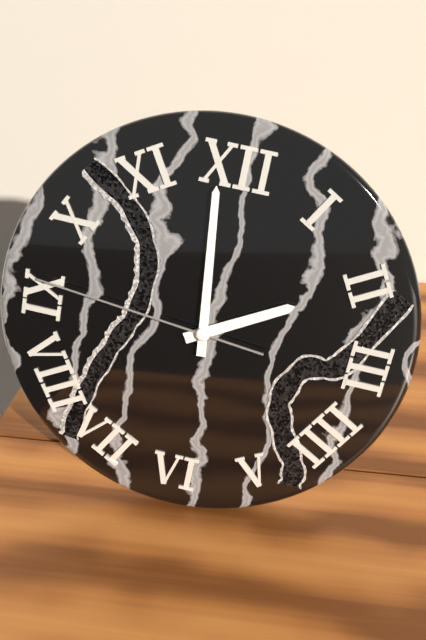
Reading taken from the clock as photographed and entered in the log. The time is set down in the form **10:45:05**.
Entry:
**1:59:46**
